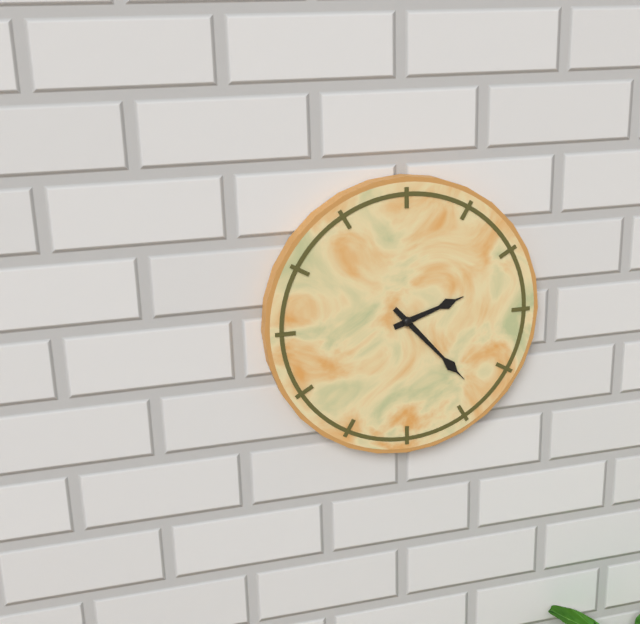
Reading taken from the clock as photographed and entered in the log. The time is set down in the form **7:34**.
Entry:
**2:23**
